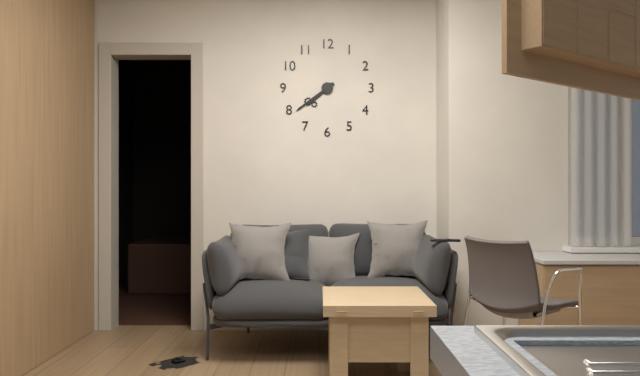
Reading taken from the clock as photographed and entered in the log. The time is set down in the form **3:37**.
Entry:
**7:39**
